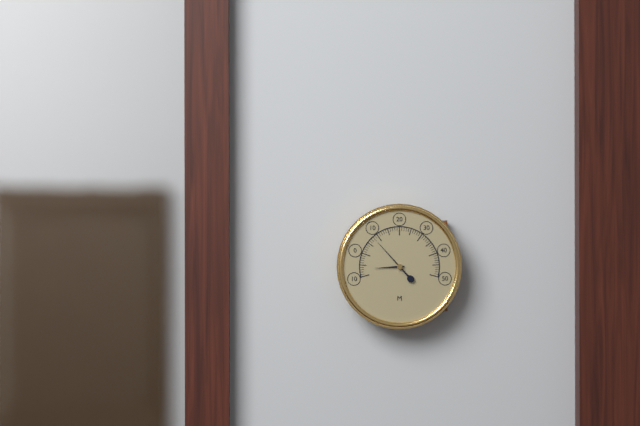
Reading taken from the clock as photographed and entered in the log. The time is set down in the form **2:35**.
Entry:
**8:53**
